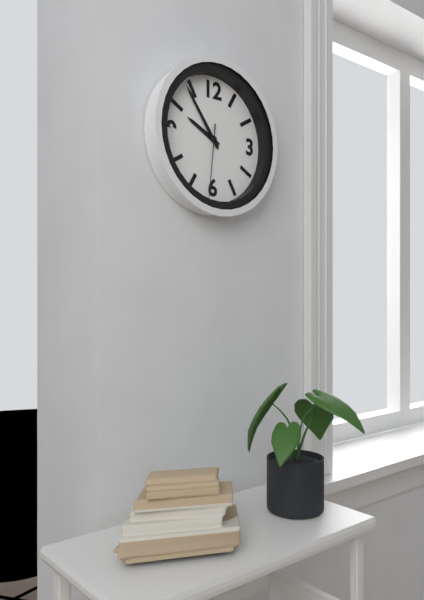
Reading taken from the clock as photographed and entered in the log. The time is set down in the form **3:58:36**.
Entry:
**9:54:31**
